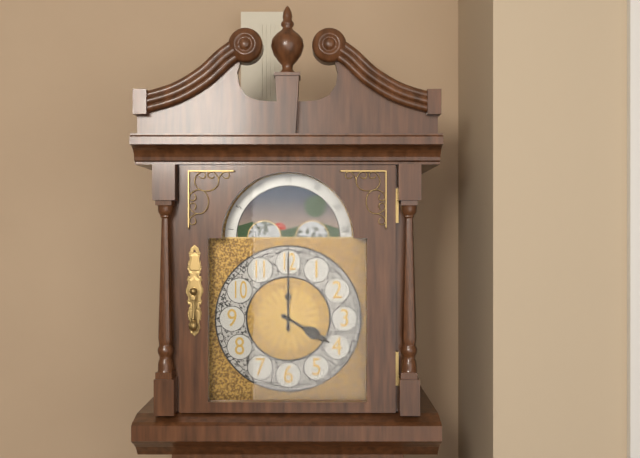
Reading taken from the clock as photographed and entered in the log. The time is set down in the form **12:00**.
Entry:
**4:00**
